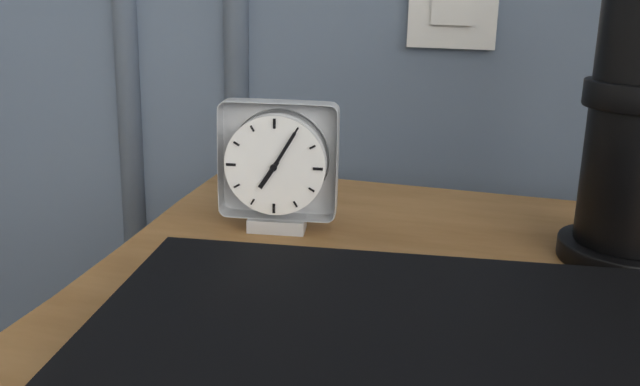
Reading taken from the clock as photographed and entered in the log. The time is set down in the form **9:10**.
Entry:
**7:05**
